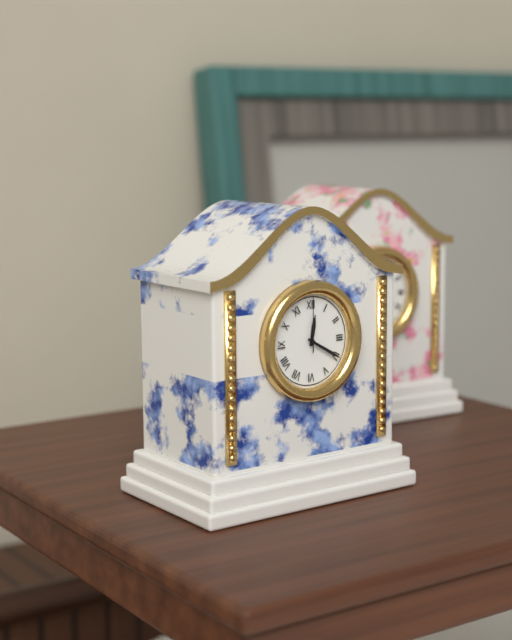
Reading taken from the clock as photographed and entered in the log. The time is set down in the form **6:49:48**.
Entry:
**12:20:00**
